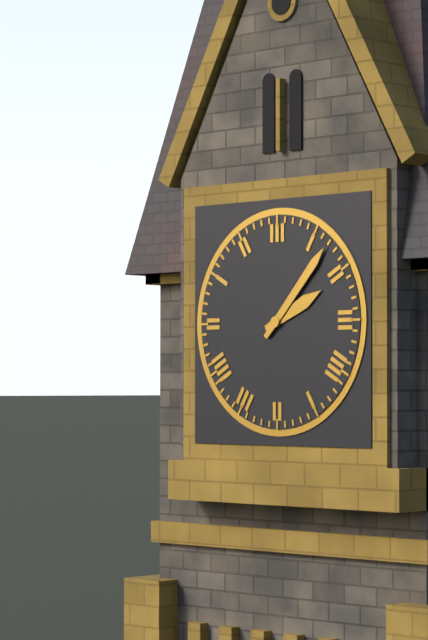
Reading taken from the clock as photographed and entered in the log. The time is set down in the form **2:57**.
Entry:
**2:07**
